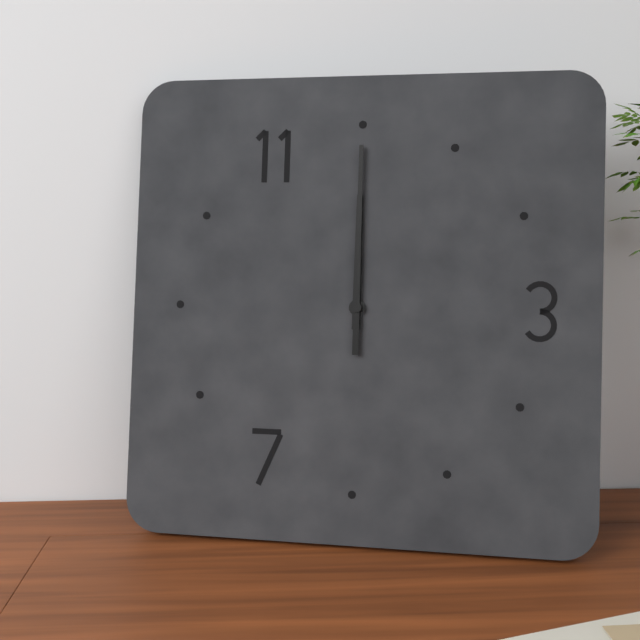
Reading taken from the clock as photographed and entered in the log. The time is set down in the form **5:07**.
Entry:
**12:00**
